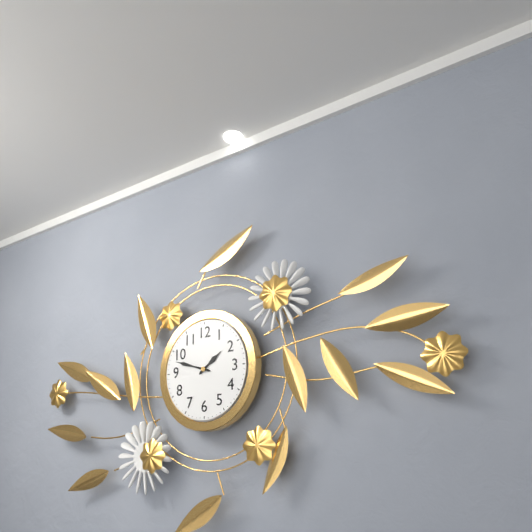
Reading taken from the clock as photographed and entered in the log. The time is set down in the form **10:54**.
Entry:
**1:48**
